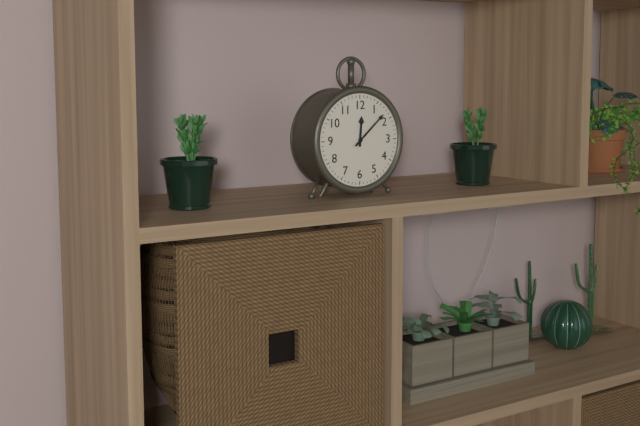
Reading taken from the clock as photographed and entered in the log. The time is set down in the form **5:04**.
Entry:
**12:08**
